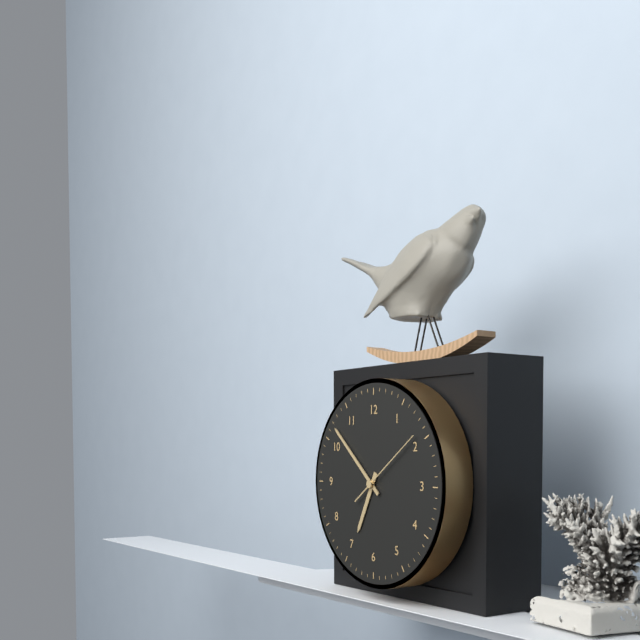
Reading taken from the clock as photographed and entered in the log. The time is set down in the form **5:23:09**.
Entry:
**6:52:09**
